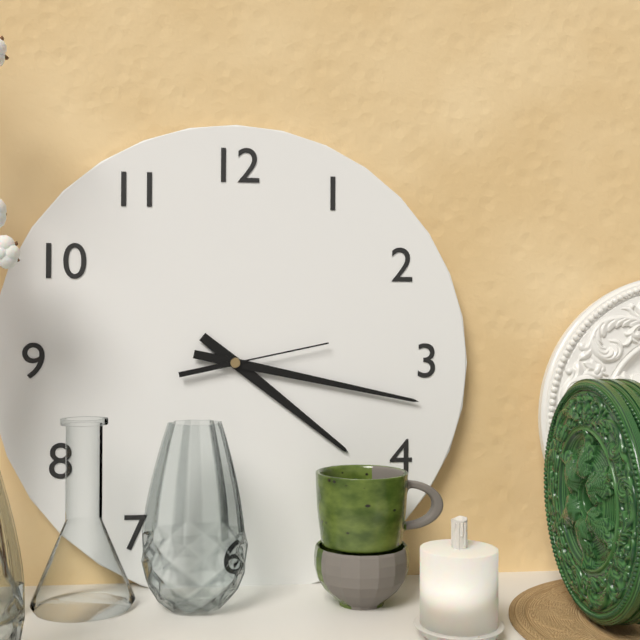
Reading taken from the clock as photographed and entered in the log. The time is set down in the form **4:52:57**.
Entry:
**4:17:13**
